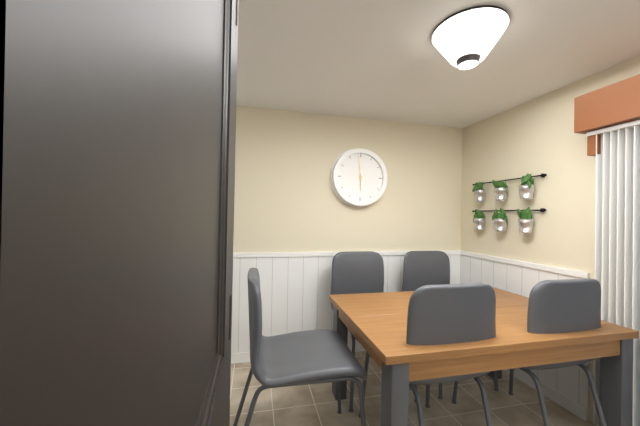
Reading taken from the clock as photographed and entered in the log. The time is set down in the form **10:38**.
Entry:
**5:59**
